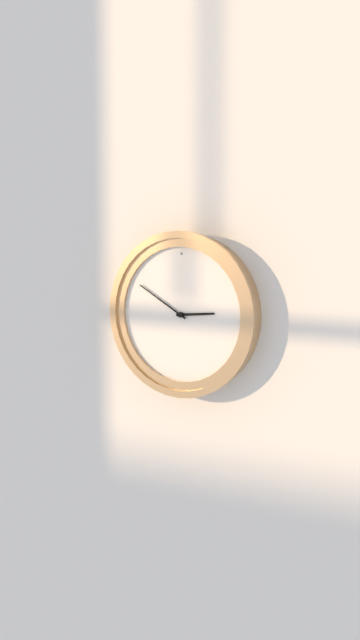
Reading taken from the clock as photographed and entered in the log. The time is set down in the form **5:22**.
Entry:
**2:50**
